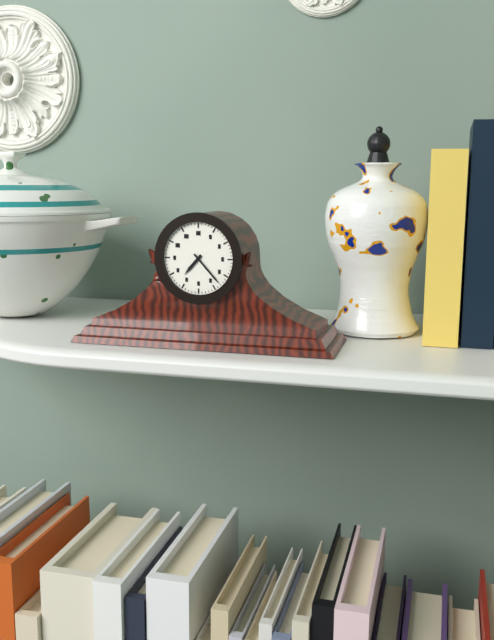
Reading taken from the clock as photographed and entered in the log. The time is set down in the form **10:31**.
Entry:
**7:23**
